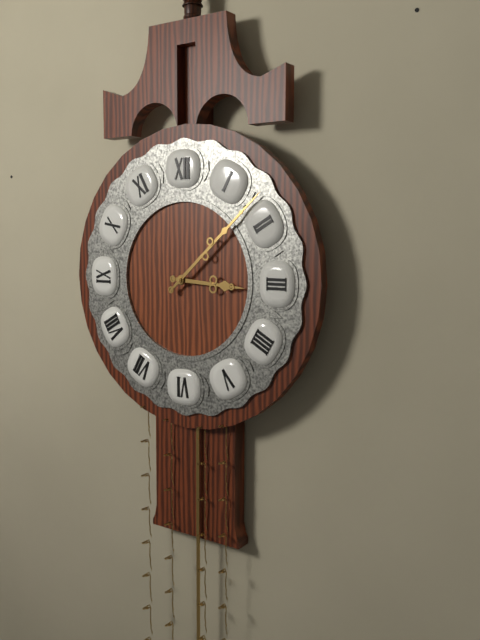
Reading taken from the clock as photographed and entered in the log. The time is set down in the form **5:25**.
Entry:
**3:08**
